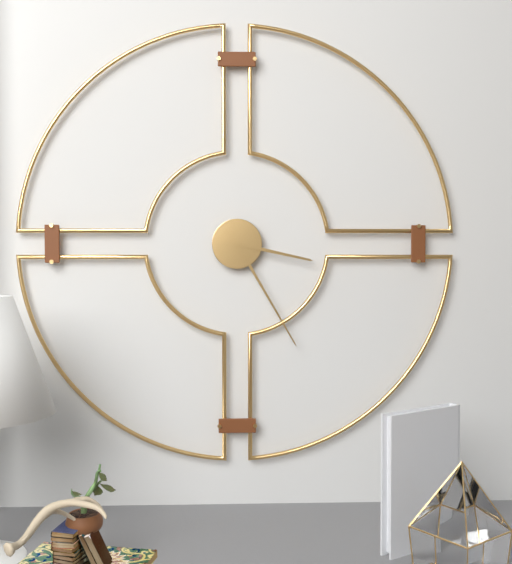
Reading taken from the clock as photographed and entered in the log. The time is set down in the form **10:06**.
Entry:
**3:25**
